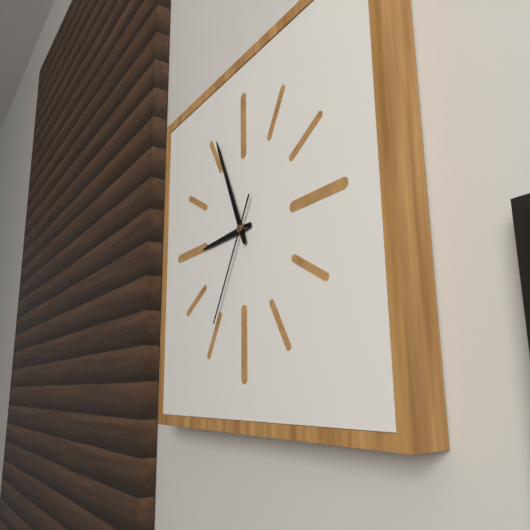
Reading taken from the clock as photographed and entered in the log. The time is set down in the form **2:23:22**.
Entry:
**8:56:35**
